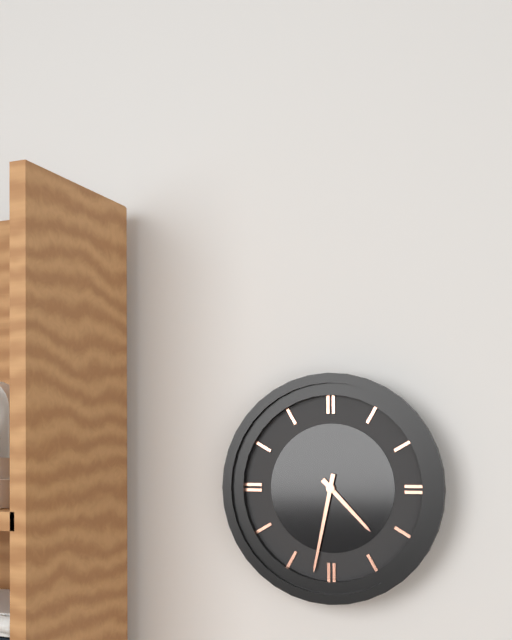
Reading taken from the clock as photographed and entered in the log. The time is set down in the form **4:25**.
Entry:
**4:32**
